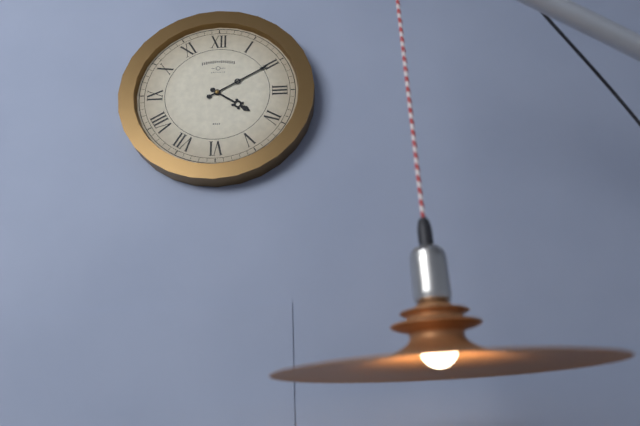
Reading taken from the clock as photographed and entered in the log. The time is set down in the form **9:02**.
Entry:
**4:10**
